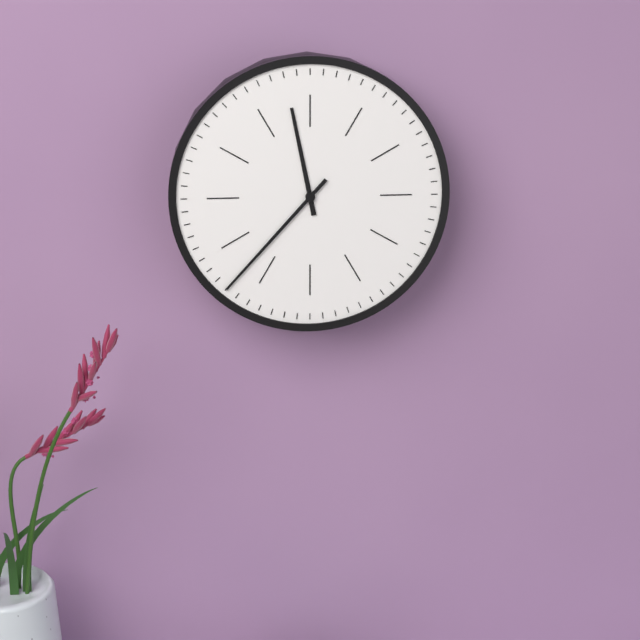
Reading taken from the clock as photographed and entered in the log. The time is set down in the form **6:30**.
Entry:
**11:37**
